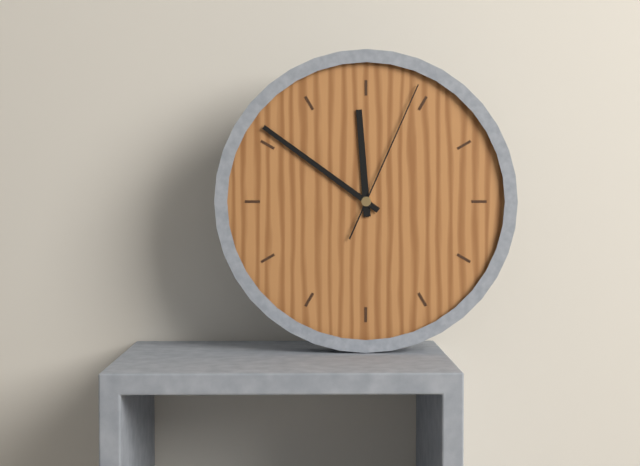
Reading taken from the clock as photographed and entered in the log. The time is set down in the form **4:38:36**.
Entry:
**11:51:04**
